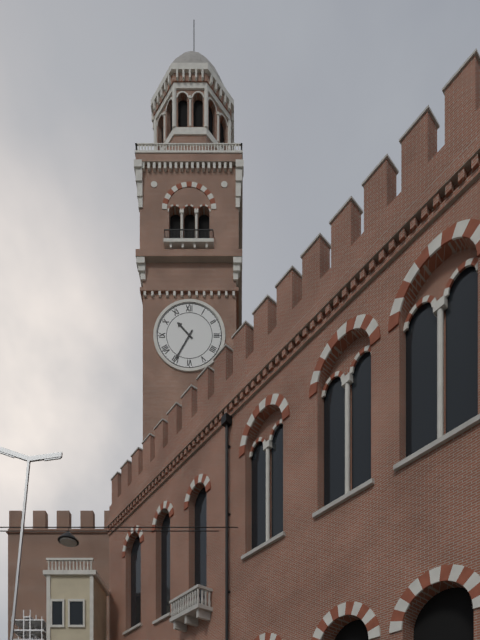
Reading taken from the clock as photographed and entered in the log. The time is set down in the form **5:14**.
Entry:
**10:35**
